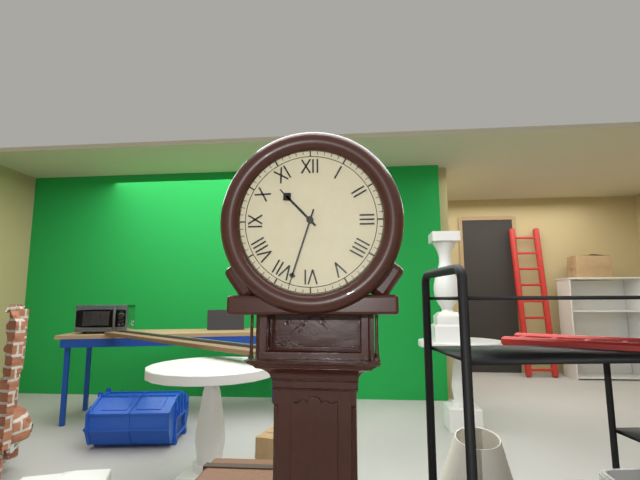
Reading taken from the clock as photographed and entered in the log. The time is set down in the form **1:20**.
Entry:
**10:33**
